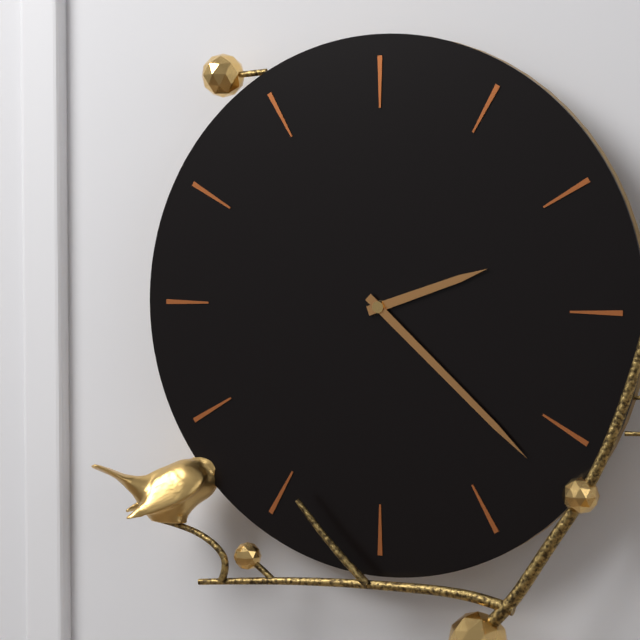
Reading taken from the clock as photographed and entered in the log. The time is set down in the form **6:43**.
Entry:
**2:22**
